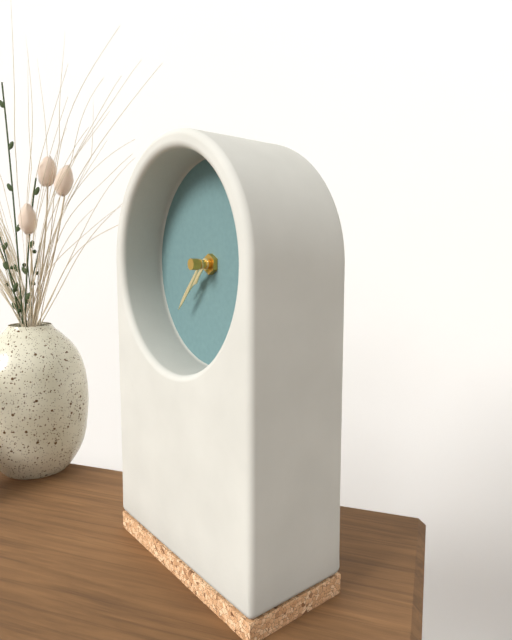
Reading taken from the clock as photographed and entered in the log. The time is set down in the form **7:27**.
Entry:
**7:37**
